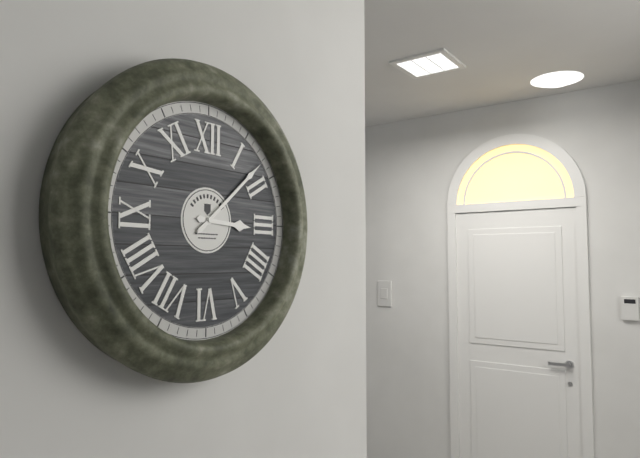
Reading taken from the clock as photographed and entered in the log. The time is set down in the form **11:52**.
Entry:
**3:08**
